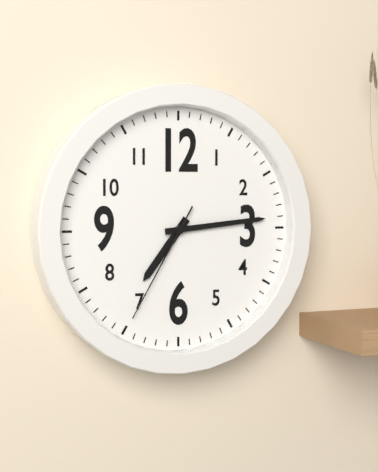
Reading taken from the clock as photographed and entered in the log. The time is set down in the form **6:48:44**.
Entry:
**7:14:35**
